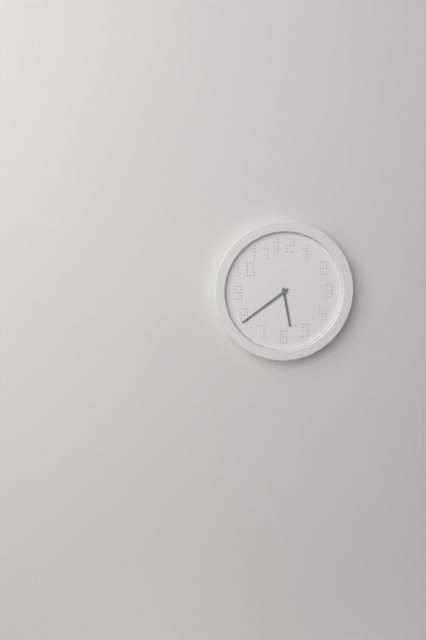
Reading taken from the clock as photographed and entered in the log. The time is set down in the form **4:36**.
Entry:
**5:39**
